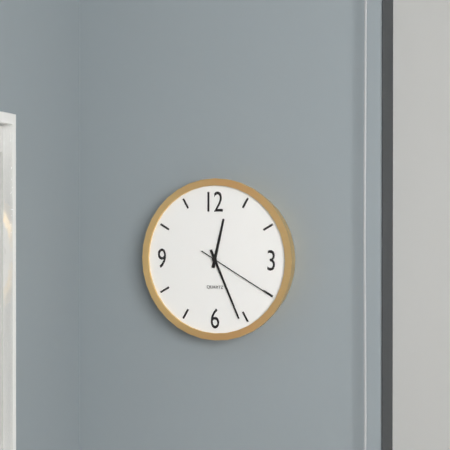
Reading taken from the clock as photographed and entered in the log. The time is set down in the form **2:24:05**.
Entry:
**12:26:20**
